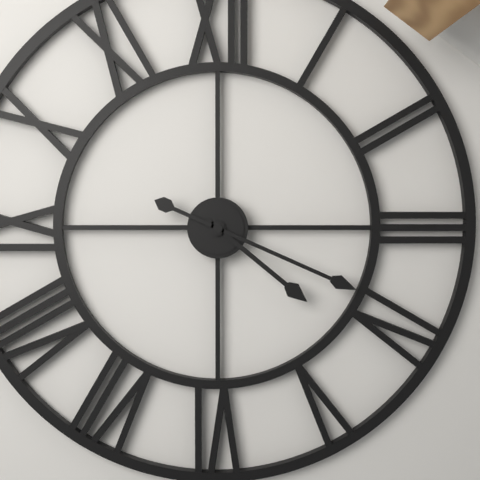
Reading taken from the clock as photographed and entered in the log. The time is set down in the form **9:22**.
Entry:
**4:19**
